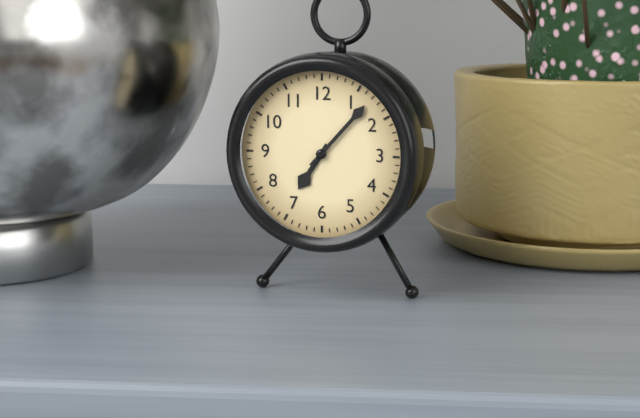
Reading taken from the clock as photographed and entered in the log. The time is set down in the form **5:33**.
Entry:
**7:07**
